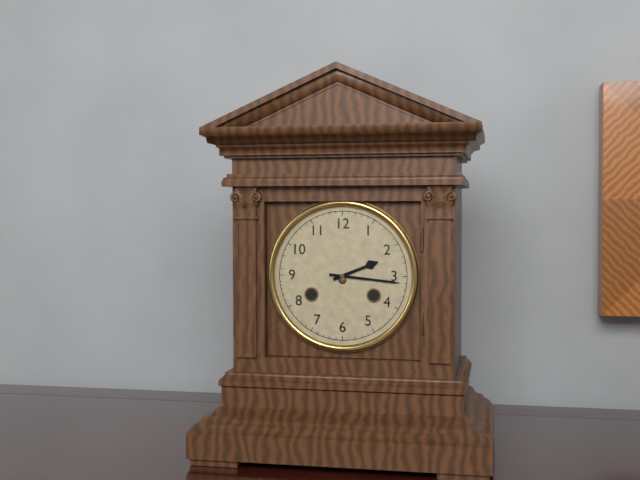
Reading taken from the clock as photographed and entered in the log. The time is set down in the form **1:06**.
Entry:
**2:16**
